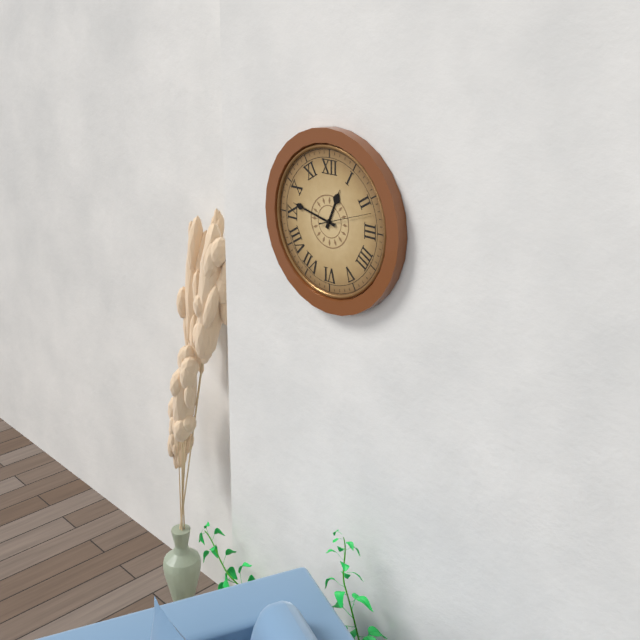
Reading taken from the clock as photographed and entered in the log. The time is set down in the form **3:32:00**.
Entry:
**12:47:12**
